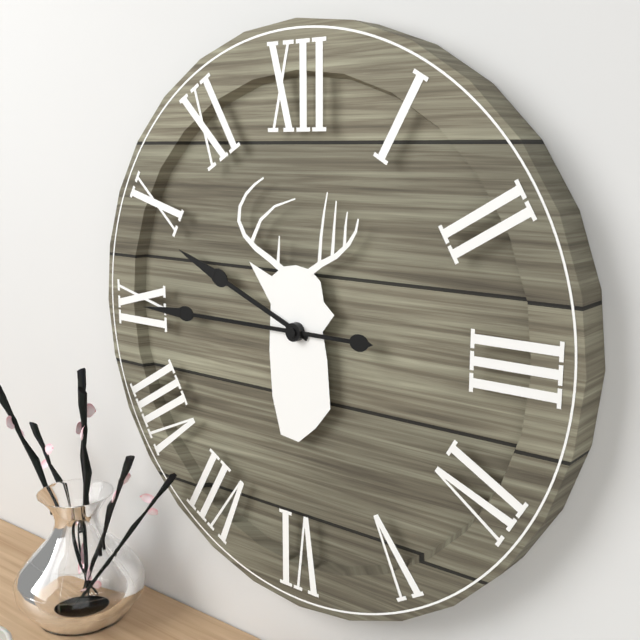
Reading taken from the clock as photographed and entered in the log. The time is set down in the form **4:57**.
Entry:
**9:45**
